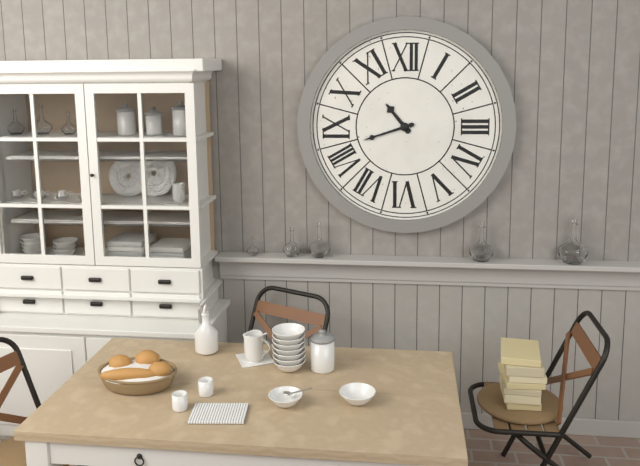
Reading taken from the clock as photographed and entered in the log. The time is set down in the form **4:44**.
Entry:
**10:42**
